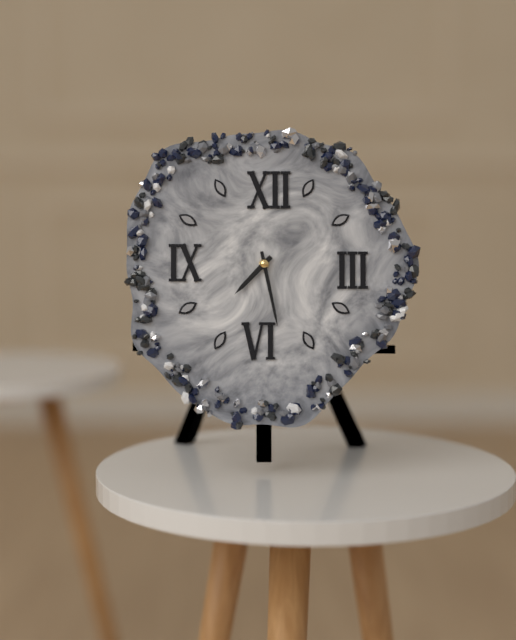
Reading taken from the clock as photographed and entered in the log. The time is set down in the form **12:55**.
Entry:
**7:28**
